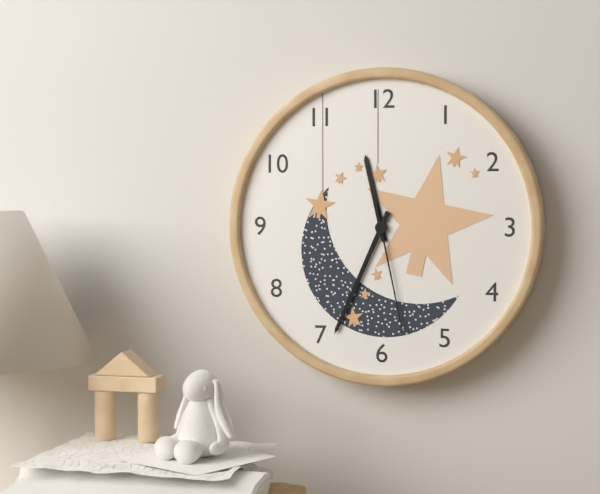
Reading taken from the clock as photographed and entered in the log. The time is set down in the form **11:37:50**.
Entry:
**11:34:28**
